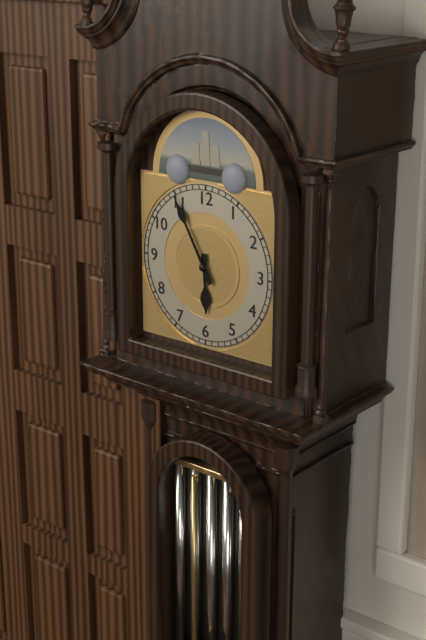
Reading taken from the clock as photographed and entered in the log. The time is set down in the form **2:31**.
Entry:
**5:55**
